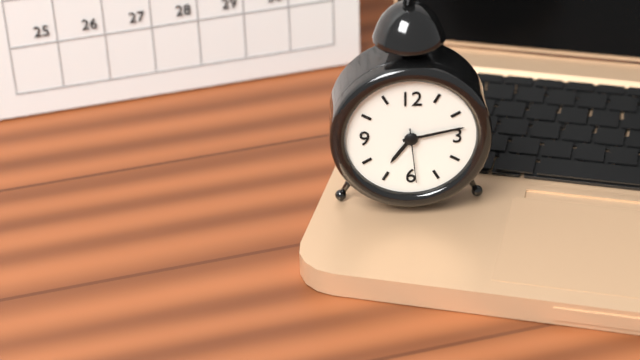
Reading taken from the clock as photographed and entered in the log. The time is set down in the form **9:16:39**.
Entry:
**7:13:29**
